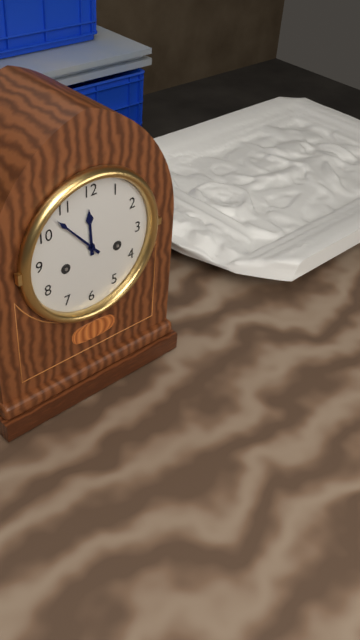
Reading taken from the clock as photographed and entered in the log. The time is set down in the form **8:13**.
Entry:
**11:53**
